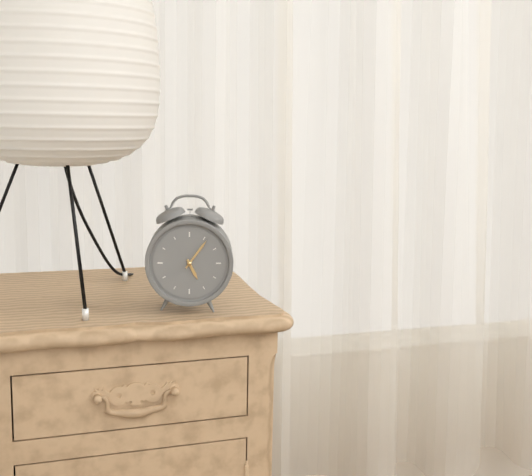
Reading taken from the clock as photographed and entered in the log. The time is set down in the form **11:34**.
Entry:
**5:06**
